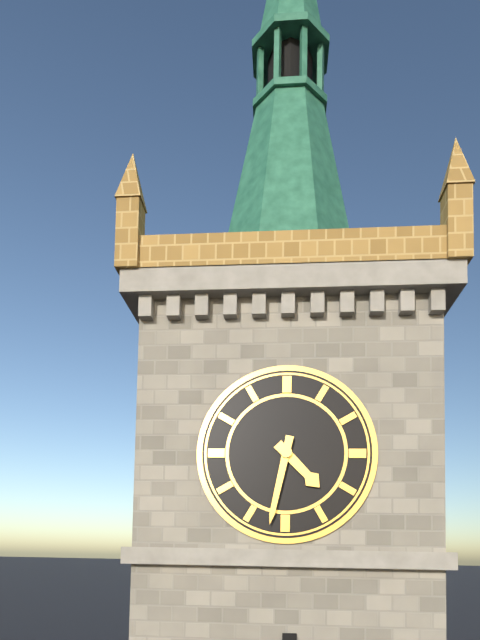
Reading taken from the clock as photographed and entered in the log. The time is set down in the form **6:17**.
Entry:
**4:32**
